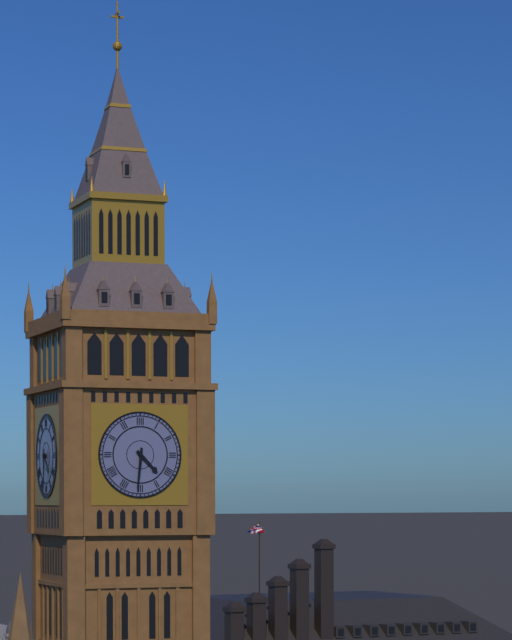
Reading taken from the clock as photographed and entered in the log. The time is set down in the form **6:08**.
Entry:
**4:31**
